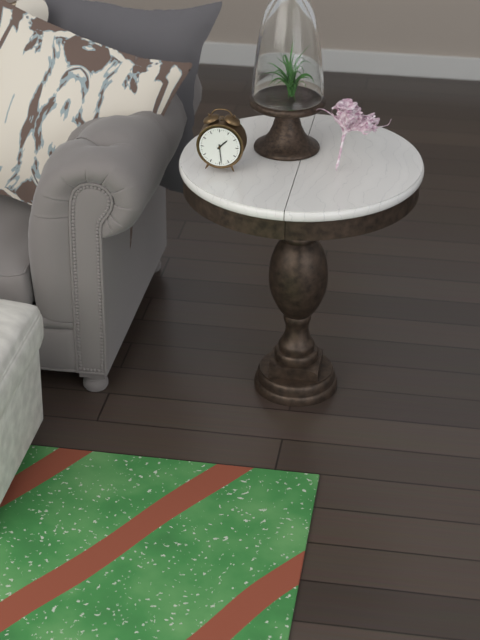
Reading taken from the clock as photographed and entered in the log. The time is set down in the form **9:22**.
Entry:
**1:29**
